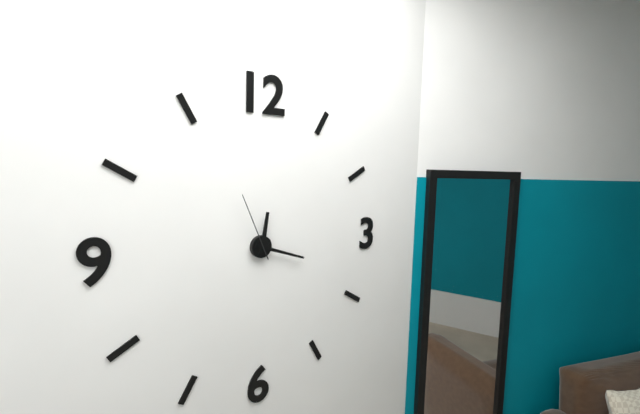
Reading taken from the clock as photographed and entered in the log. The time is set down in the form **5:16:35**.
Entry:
**12:18:56**
